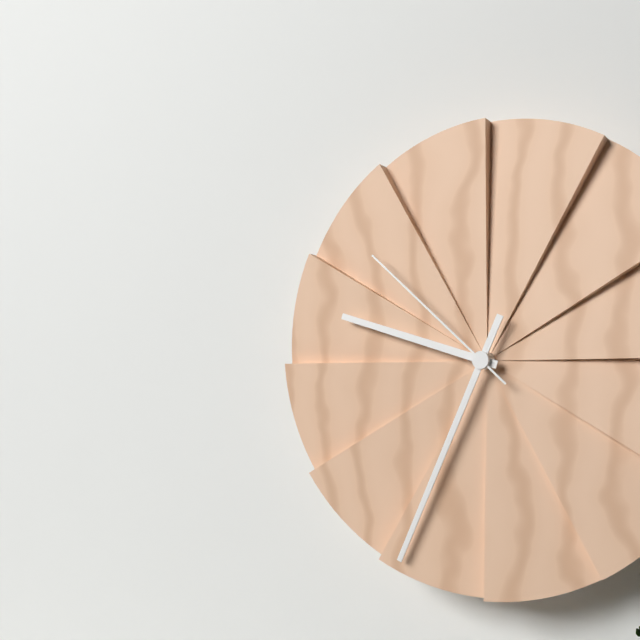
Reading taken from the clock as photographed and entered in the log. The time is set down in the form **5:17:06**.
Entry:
**9:34:52**
